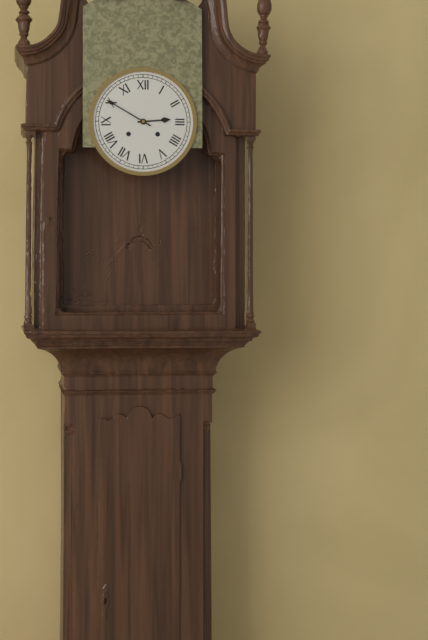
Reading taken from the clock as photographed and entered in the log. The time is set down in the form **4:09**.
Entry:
**2:50**
